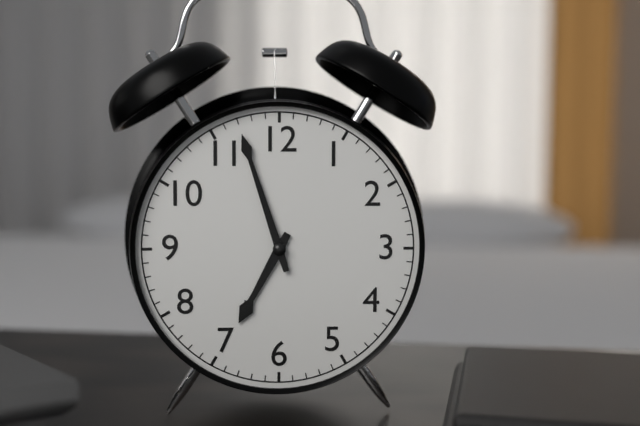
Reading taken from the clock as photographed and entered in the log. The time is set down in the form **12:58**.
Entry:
**6:57**
